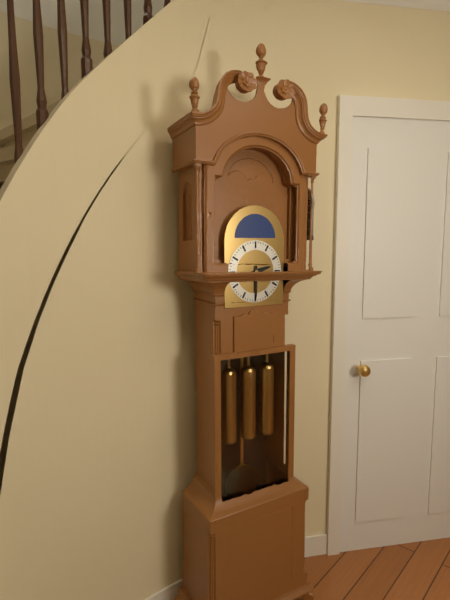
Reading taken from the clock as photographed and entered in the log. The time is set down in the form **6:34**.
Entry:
**2:30**
